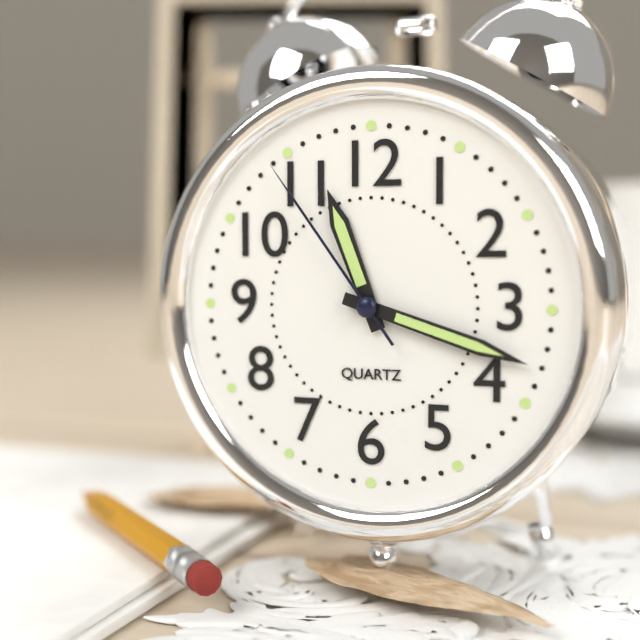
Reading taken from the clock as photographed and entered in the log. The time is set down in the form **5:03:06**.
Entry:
**11:18:54**
